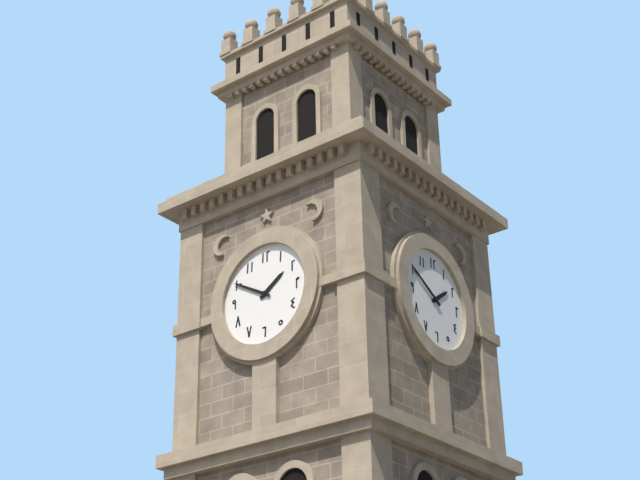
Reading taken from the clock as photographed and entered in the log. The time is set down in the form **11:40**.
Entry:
**1:50**
